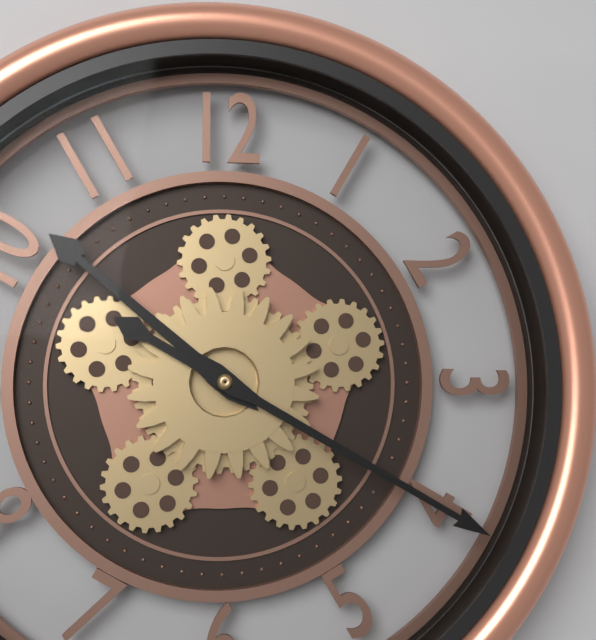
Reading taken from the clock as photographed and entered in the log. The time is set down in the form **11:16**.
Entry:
**10:20**
